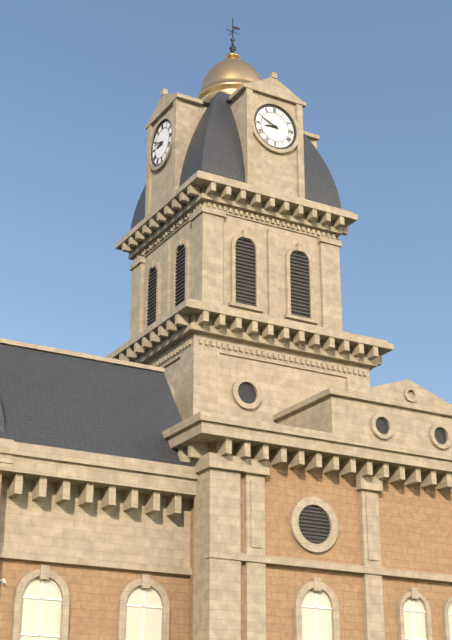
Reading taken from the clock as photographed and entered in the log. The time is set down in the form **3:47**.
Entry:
**8:49**
